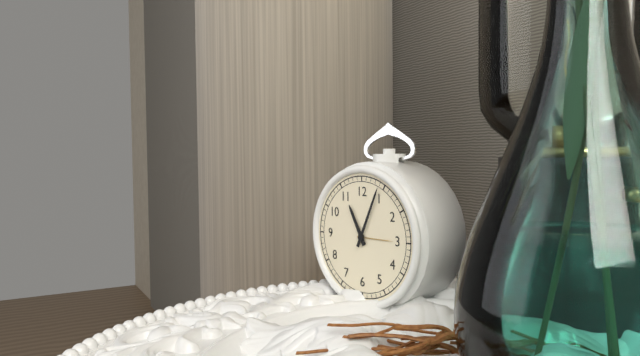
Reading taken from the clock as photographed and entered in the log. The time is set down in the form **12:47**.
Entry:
**11:04**
